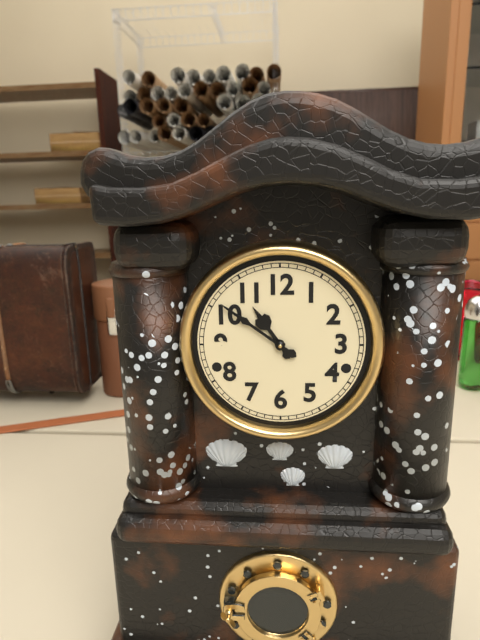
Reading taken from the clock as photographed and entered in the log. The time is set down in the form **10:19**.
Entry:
**10:51**
